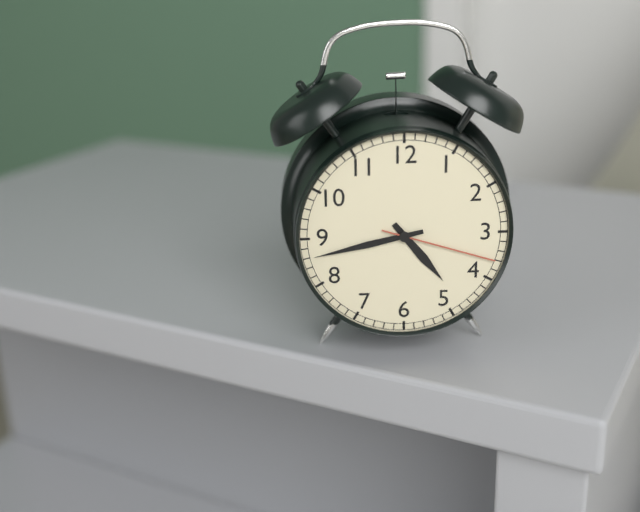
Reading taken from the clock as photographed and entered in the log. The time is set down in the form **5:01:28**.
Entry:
**4:43:18**
